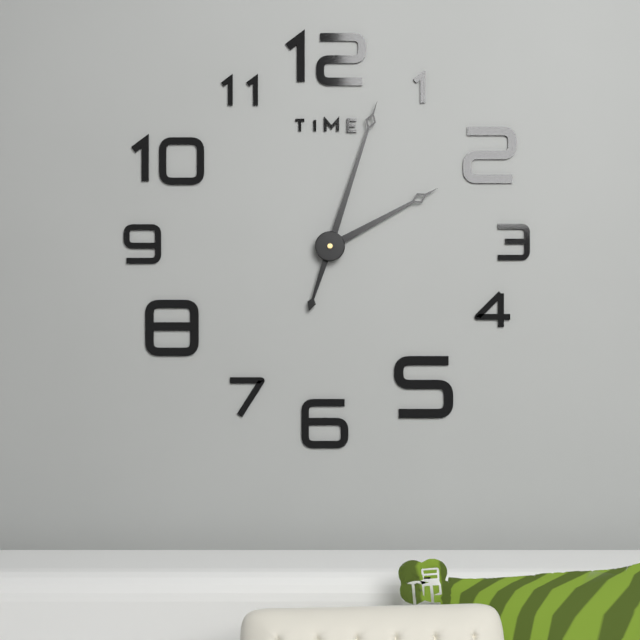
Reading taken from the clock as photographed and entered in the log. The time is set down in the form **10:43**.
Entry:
**2:03**
